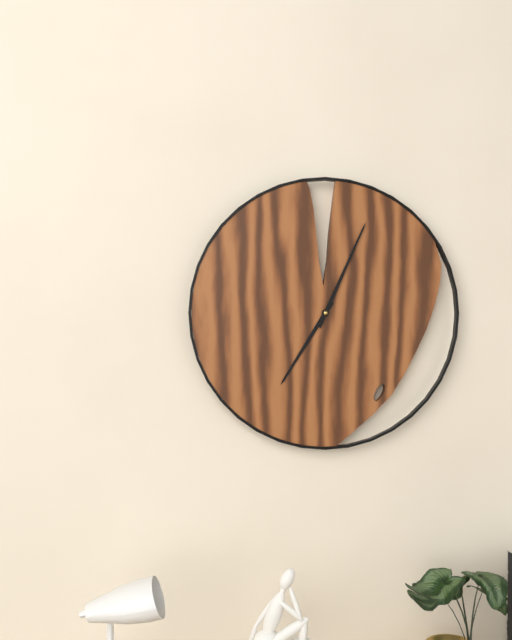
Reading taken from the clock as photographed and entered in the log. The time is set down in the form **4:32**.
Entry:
**7:04**
